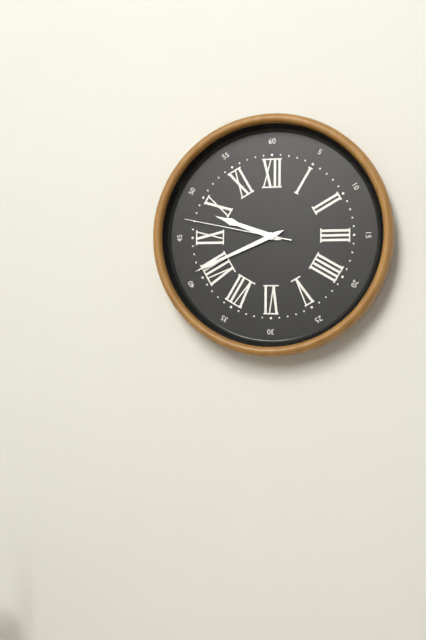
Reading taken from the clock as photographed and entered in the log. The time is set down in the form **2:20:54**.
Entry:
**9:41:47**
